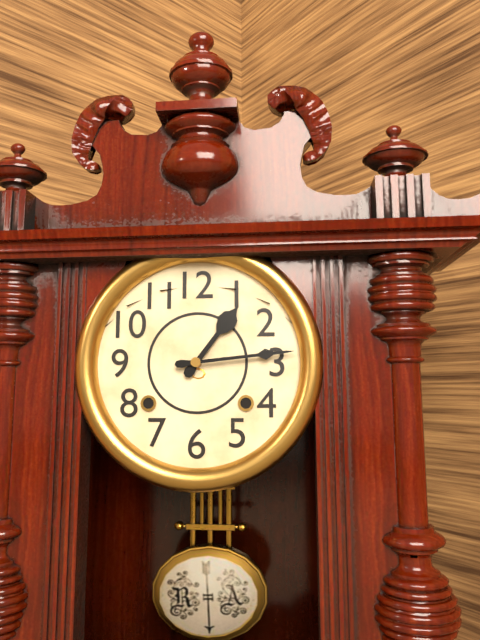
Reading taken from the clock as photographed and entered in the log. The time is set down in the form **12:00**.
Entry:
**1:14**
